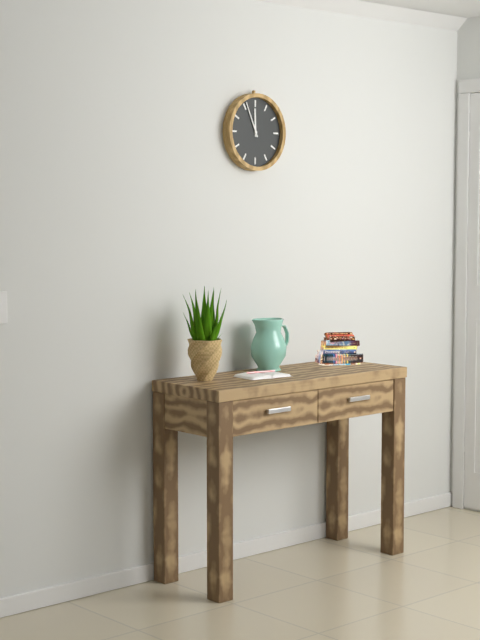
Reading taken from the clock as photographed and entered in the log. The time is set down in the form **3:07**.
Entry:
**11:56**
